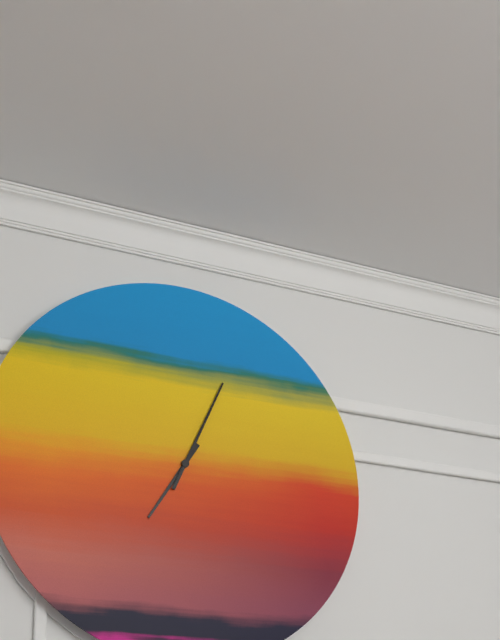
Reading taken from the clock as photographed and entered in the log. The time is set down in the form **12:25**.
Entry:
**7:04**
